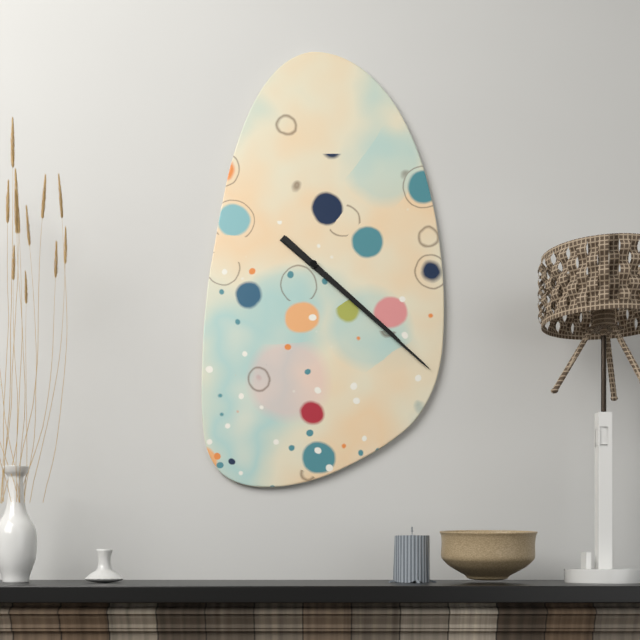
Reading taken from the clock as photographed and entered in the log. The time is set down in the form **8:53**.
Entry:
**4:22**
